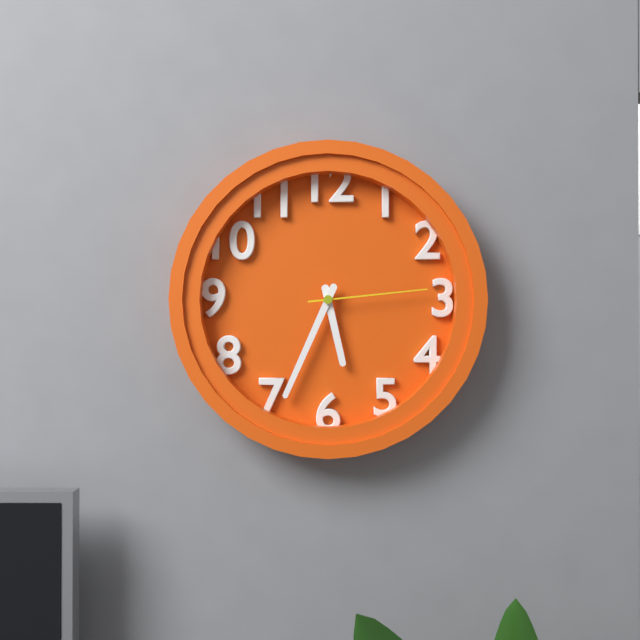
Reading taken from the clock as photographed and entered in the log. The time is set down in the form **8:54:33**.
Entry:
**5:34:14**
